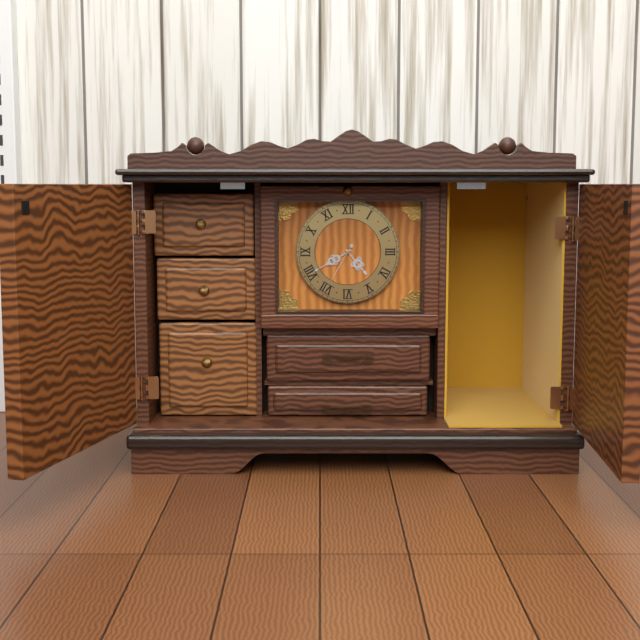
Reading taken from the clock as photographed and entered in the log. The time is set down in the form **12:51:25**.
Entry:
**4:40:35**
